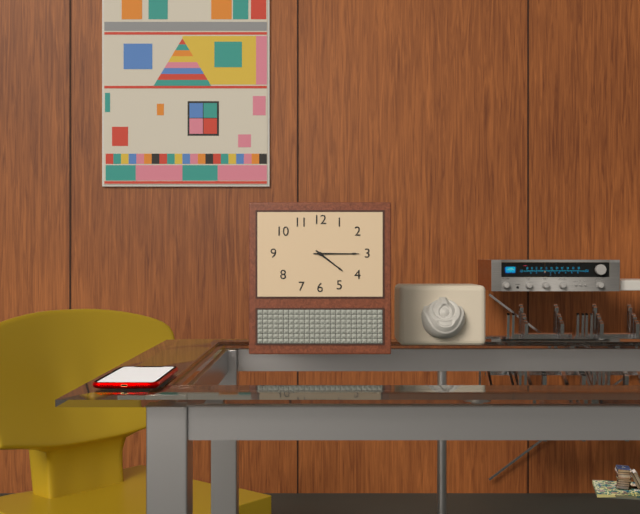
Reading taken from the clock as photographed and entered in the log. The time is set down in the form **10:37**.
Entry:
**4:15**
